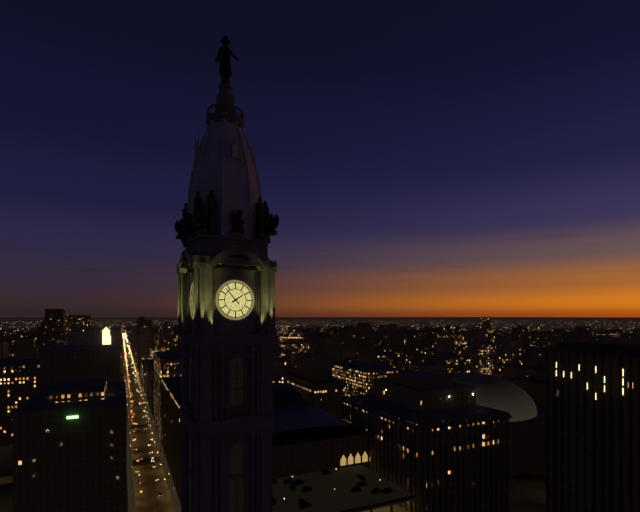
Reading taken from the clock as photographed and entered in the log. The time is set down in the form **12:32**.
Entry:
**1:53**
